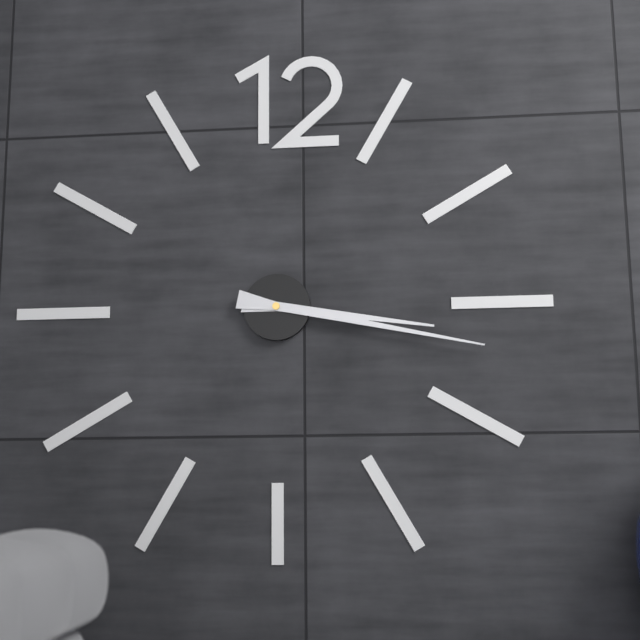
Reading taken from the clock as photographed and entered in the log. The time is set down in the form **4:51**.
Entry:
**3:17**
